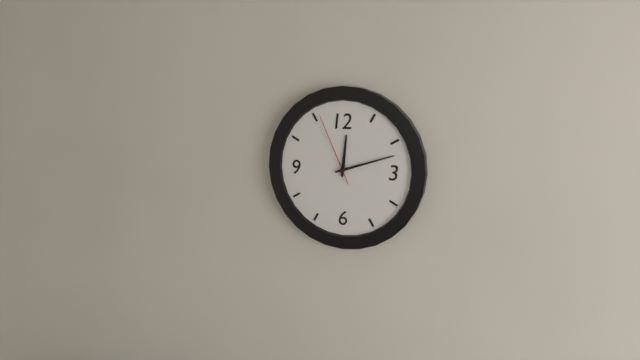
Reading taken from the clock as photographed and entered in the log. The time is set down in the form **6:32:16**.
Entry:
**12:12:56**
